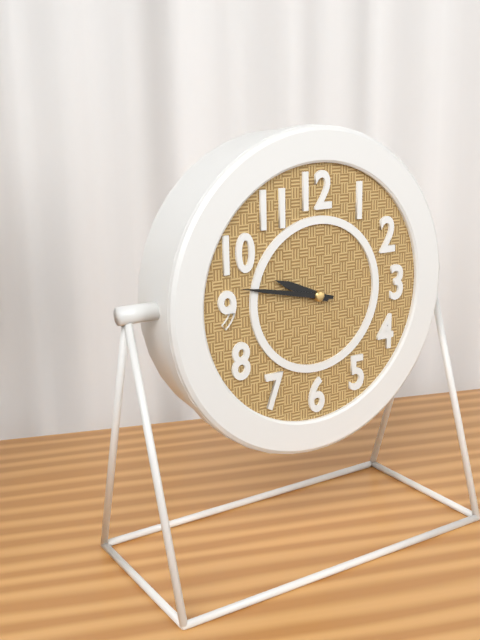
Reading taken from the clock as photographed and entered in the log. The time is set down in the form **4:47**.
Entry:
**9:47**
